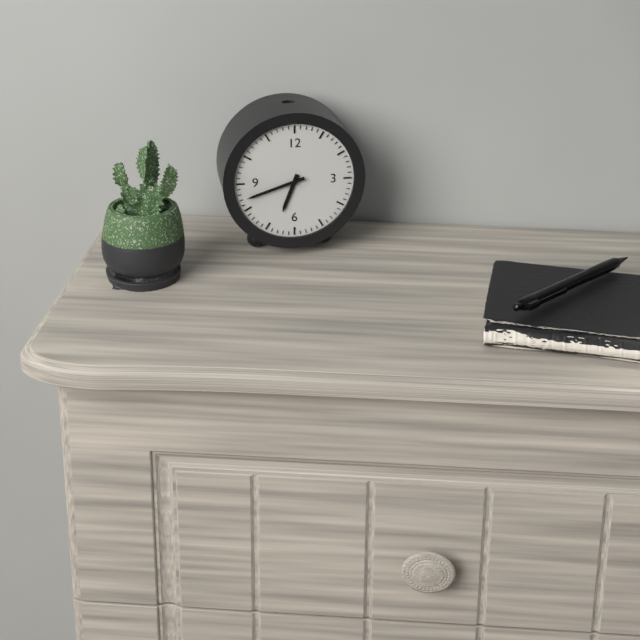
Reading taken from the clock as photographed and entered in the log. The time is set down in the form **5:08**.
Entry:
**6:42**
